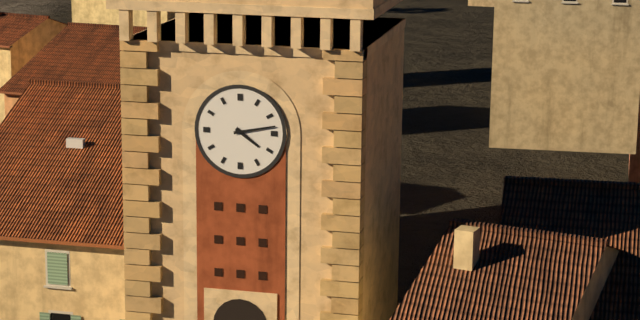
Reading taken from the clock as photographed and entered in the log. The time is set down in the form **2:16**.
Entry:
**4:13**
